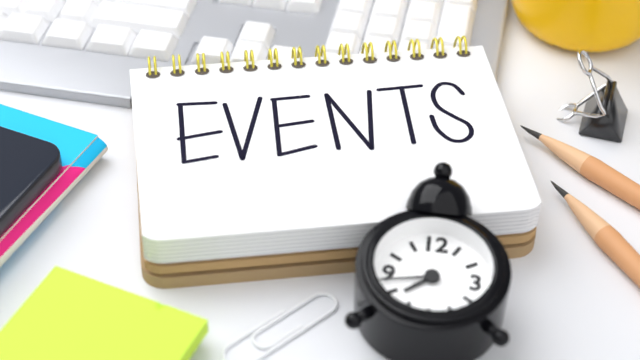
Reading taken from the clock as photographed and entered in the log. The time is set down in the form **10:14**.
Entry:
**7:43**
